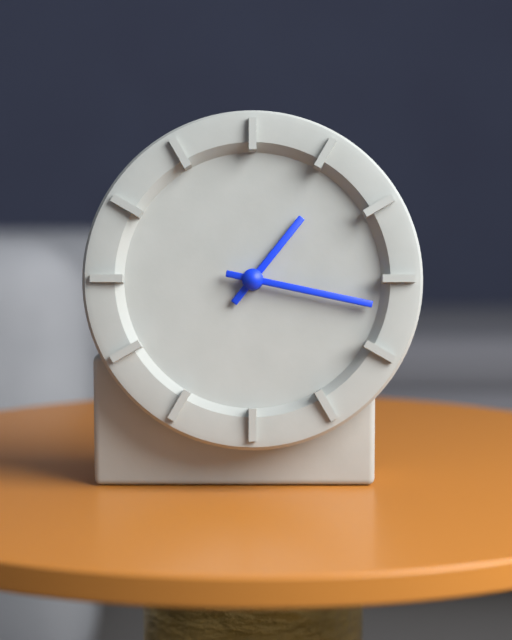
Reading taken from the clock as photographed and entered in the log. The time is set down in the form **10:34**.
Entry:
**1:17**
